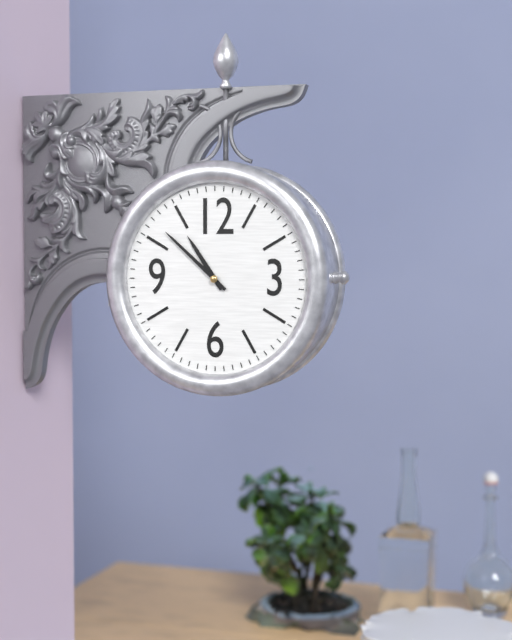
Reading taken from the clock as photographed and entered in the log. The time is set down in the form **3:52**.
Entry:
**10:52**
